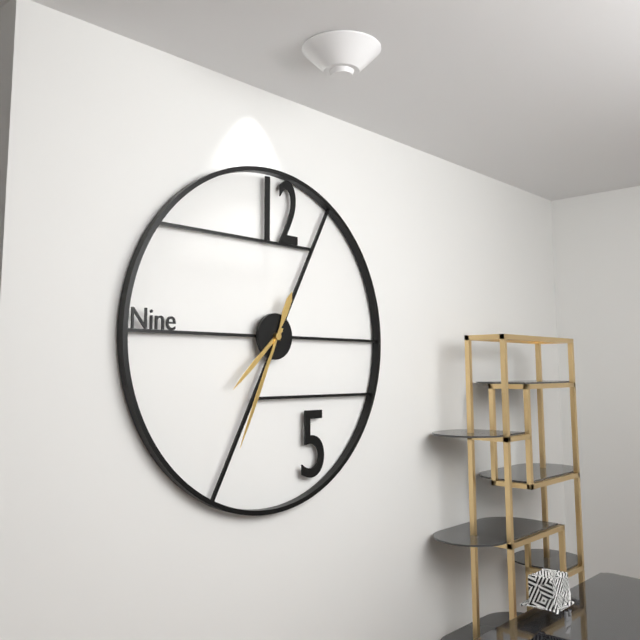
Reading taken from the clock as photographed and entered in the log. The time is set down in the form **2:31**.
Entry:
**7:34**
